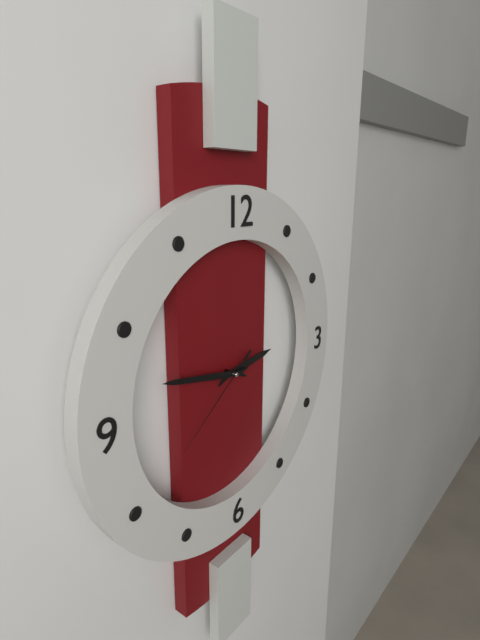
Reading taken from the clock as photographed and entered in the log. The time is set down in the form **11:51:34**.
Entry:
**2:47:39**
